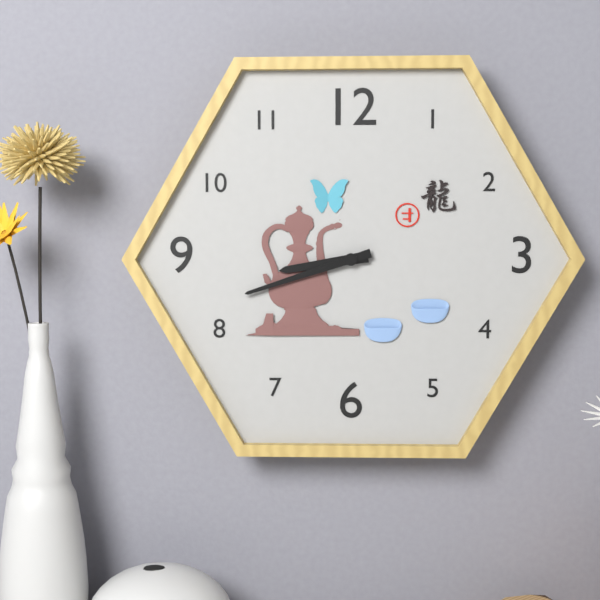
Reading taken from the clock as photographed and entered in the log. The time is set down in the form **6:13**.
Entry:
**8:42**
